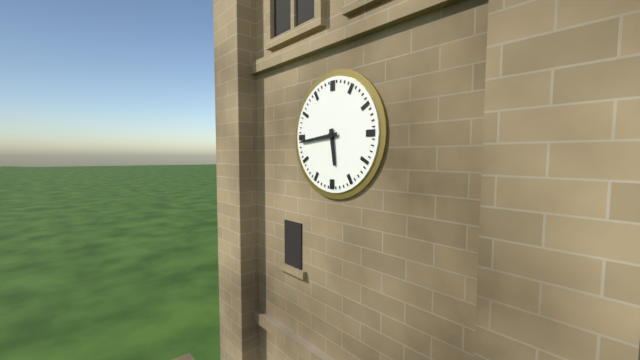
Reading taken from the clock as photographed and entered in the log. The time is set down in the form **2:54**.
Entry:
**5:44**
